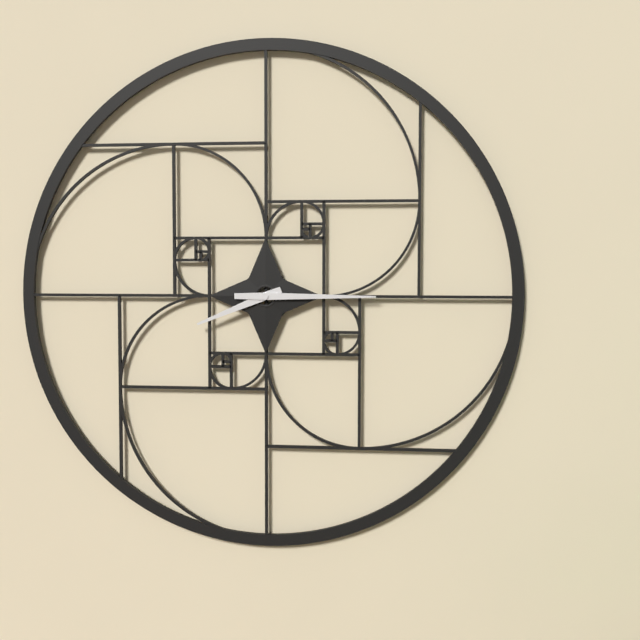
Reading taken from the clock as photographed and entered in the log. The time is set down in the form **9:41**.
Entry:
**8:15**
